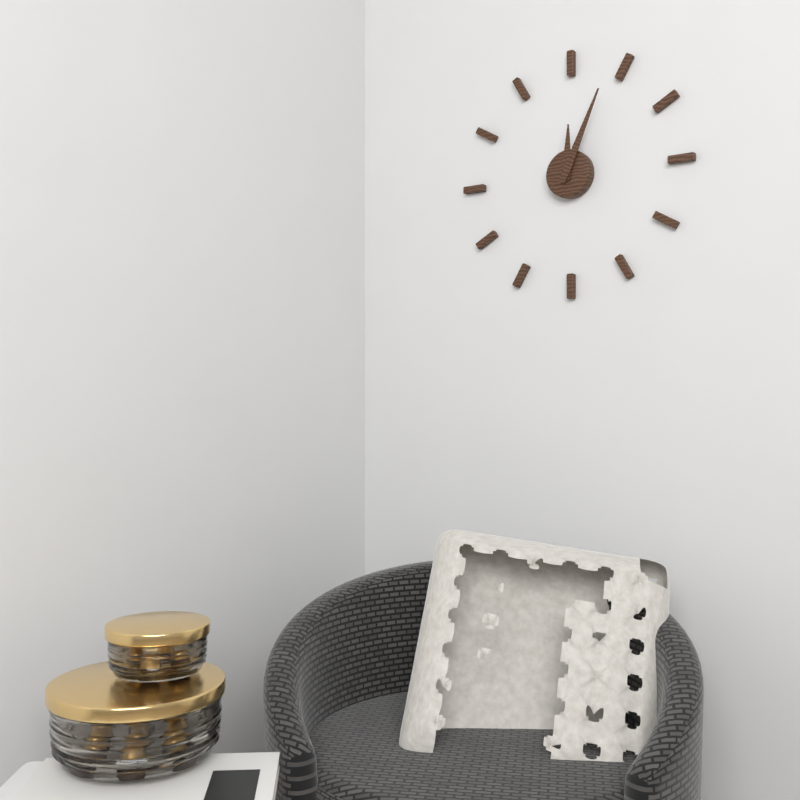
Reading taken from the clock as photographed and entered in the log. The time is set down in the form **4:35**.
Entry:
**12:04**
